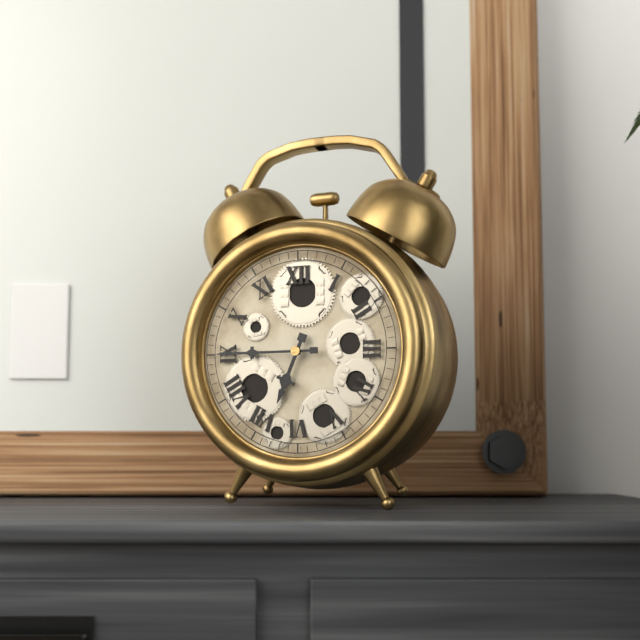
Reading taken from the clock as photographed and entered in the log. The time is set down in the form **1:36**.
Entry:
**6:45**
